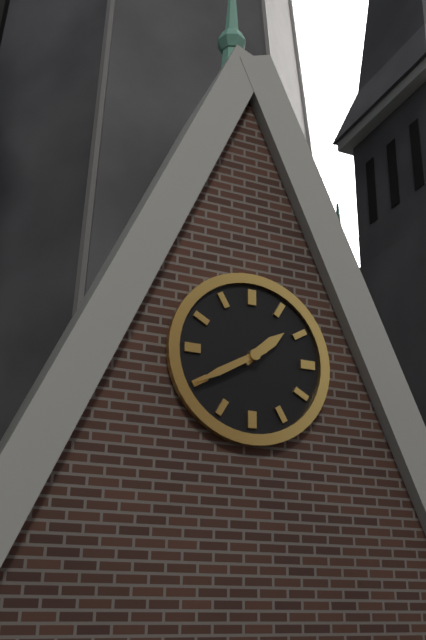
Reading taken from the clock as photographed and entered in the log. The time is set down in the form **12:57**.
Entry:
**1:40**
